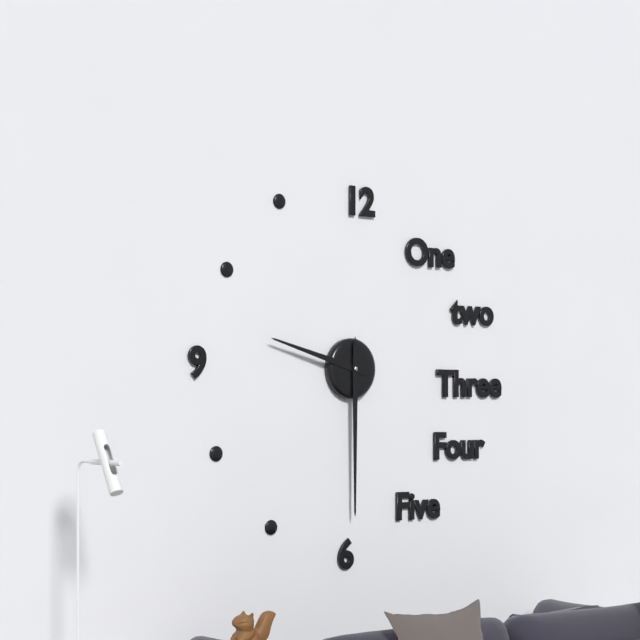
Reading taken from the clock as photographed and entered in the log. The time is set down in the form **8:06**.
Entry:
**9:30**
